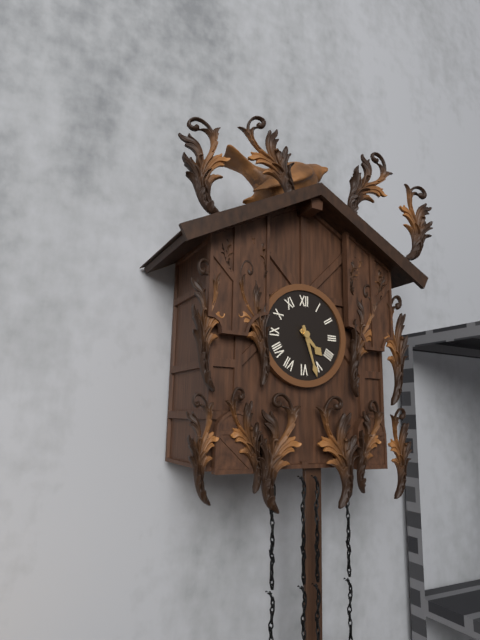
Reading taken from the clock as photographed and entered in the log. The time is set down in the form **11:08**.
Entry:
**4:27**
